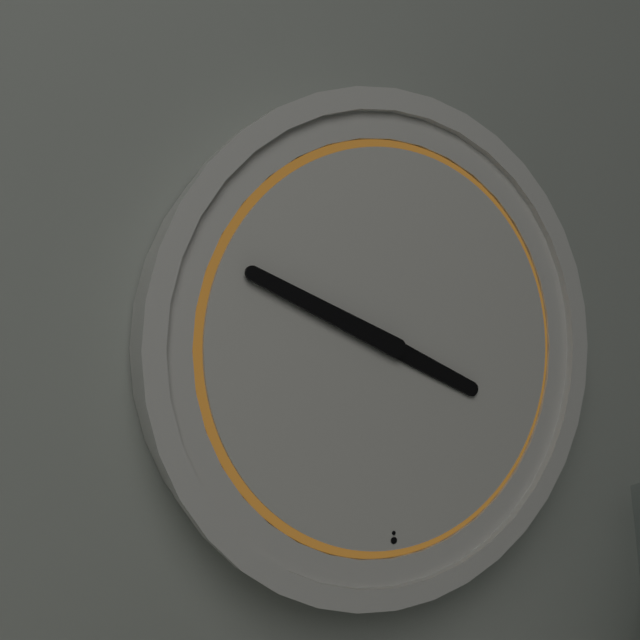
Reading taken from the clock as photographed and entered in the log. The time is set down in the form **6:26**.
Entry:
**3:49**
